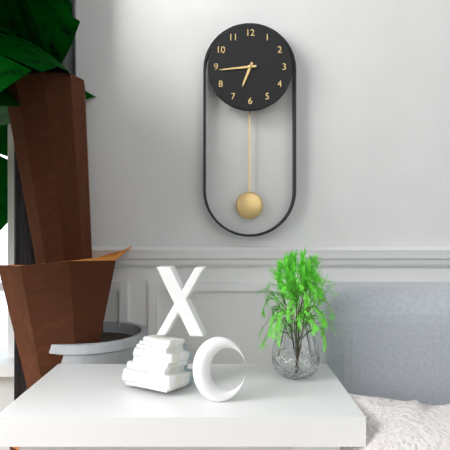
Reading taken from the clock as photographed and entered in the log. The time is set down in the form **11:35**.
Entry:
**6:44**
